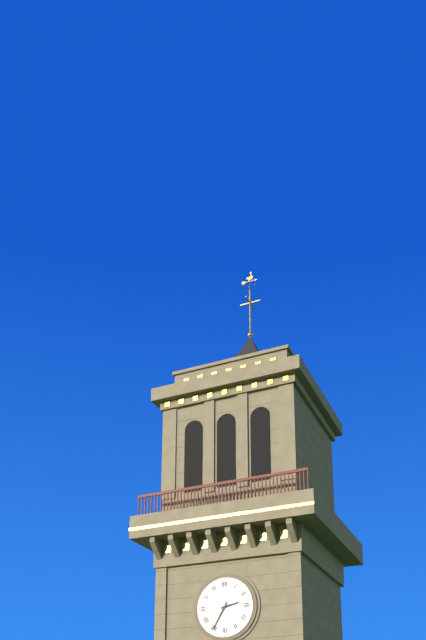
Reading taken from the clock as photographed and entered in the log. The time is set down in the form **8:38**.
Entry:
**2:35**
